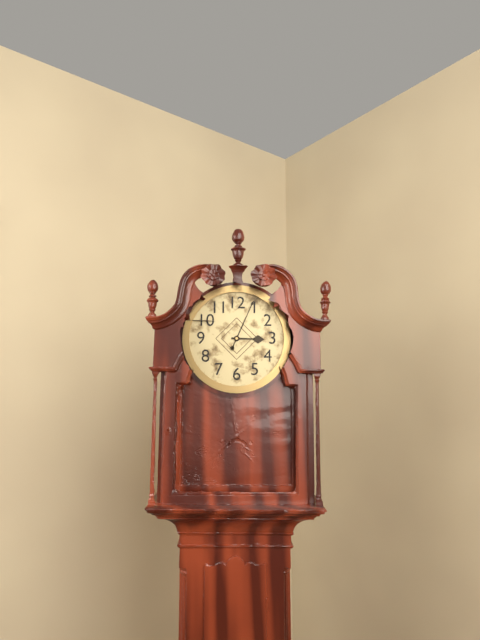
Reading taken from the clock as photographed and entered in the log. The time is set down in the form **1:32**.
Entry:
**3:04**
